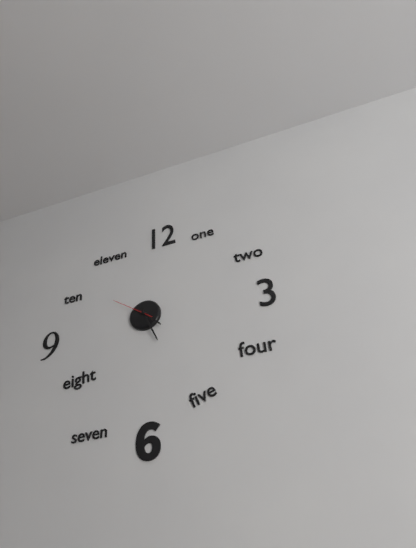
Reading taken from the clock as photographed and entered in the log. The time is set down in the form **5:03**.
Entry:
**4:26**
